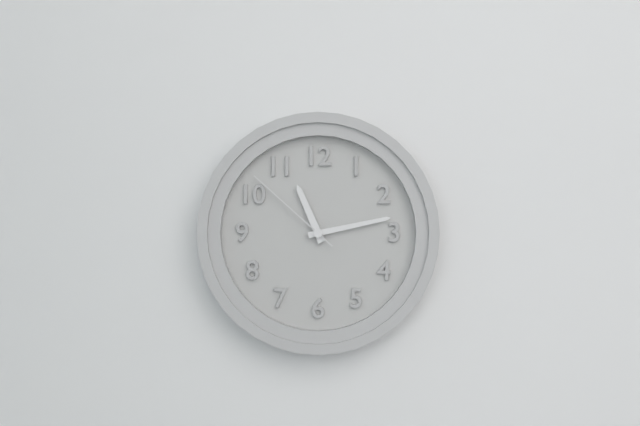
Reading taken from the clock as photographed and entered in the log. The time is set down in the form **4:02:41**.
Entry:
**11:13:52**
